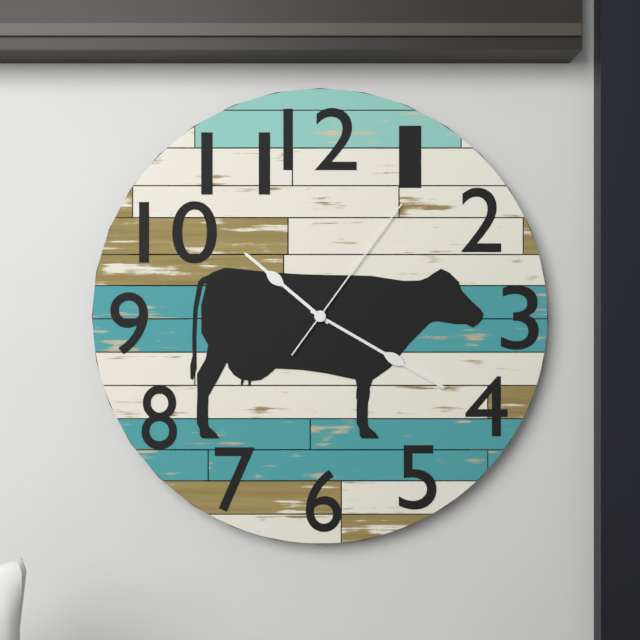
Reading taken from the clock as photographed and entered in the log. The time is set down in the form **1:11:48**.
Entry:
**10:20:06**
